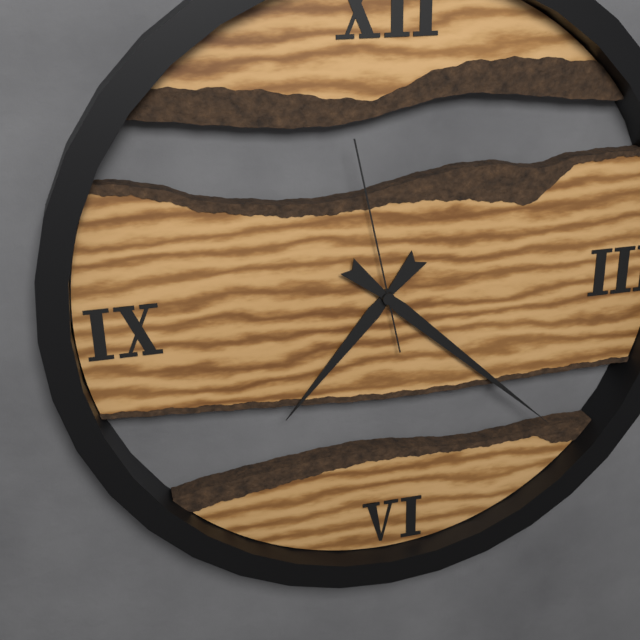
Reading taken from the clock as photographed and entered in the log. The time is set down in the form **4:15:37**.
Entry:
**7:22:58**
